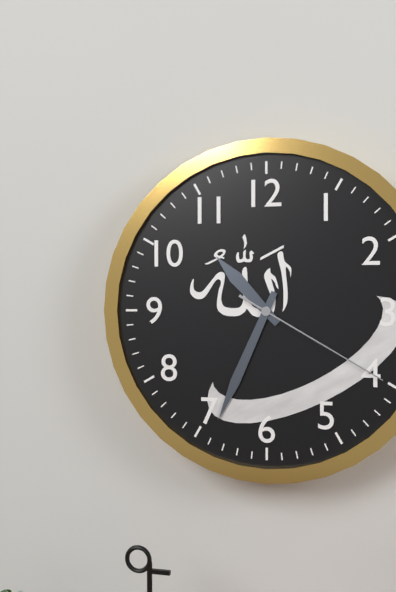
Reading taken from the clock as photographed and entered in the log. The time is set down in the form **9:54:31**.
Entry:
**10:34:20**
